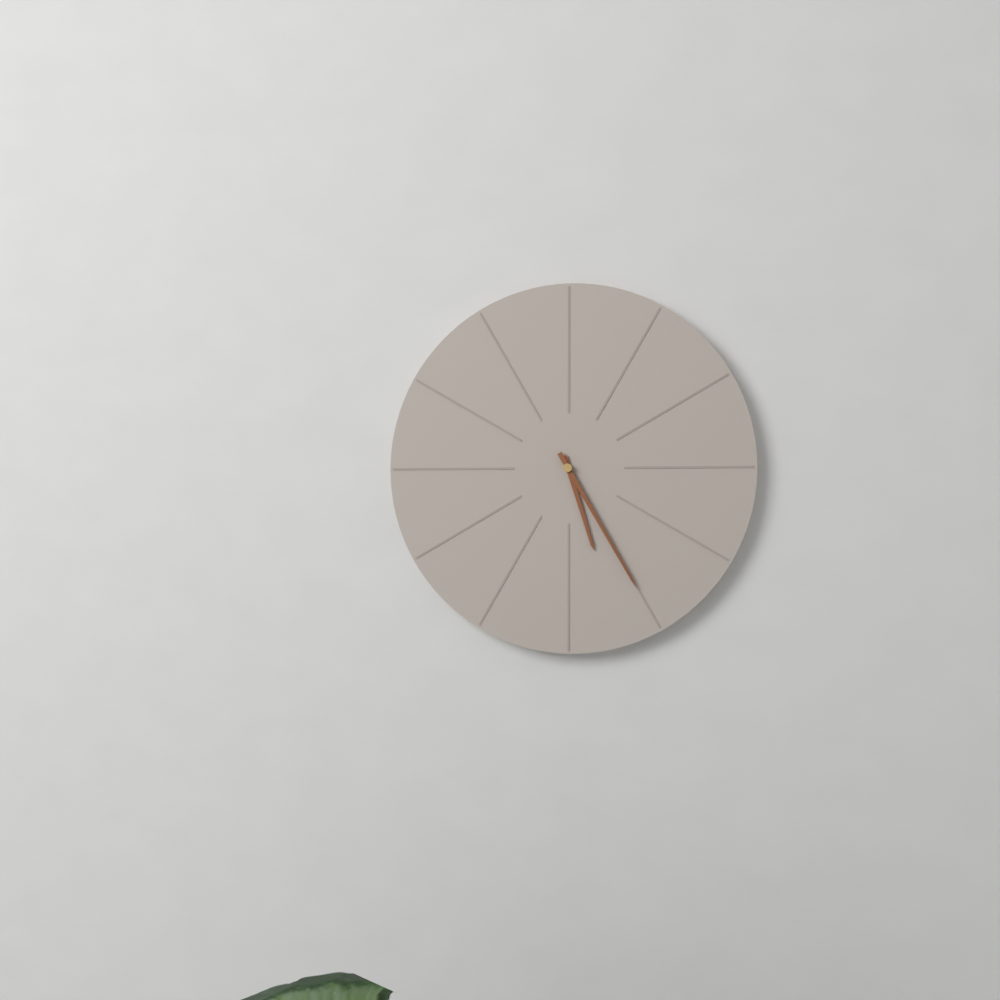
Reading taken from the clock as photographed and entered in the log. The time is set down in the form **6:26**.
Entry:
**5:25**
